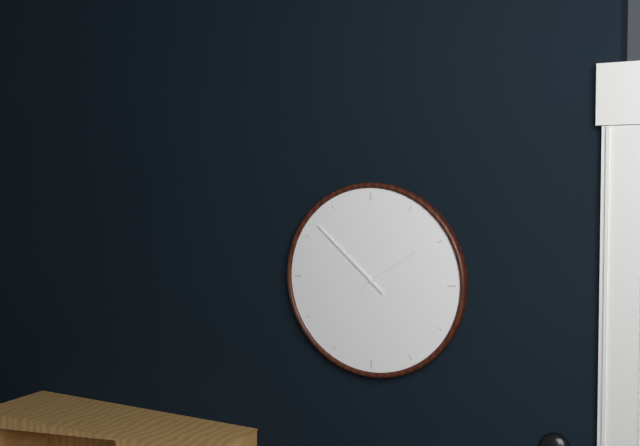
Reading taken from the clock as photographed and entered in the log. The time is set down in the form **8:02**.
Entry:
**1:52**
